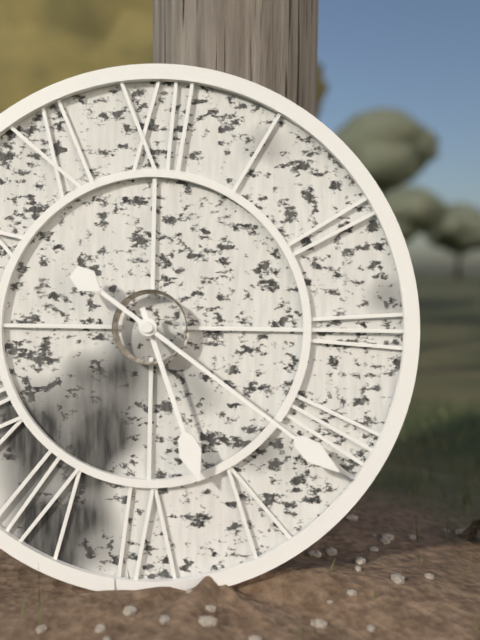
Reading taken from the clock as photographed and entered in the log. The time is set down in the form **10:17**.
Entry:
**5:21**
